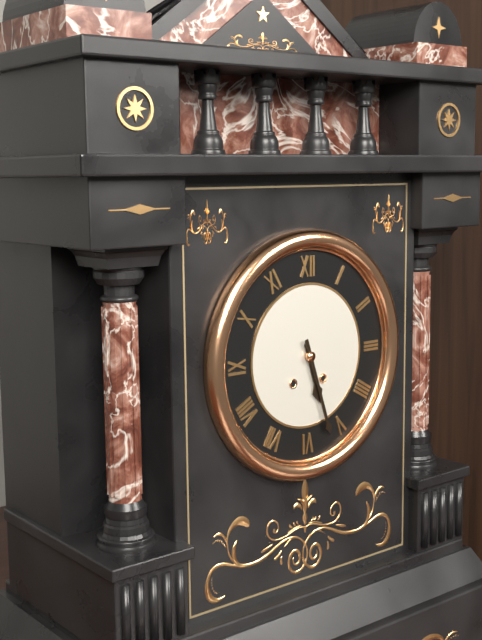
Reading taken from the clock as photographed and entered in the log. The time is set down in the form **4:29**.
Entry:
**5:27**
